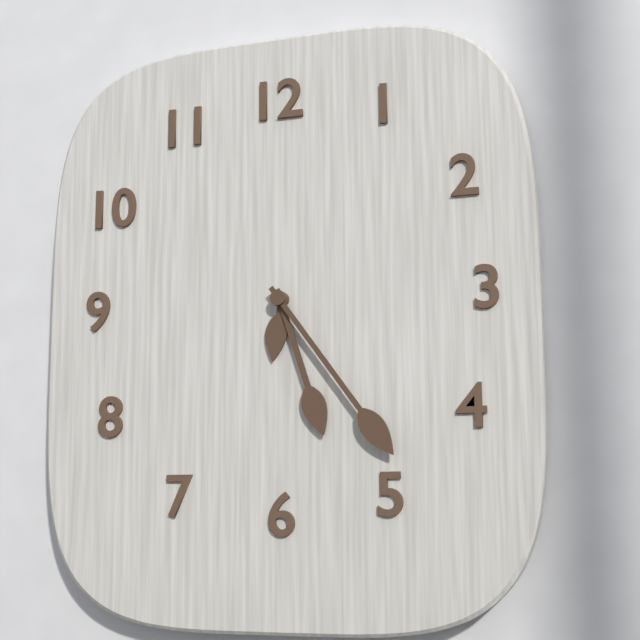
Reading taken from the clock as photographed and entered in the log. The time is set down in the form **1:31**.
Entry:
**5:24**
